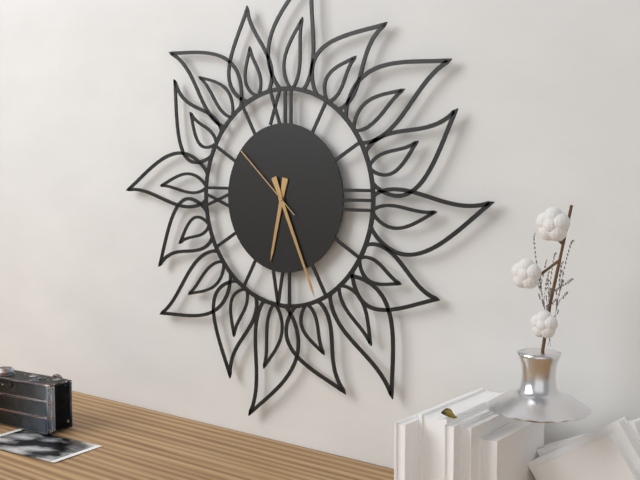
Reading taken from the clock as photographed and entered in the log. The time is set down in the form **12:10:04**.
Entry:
**6:26:52**
